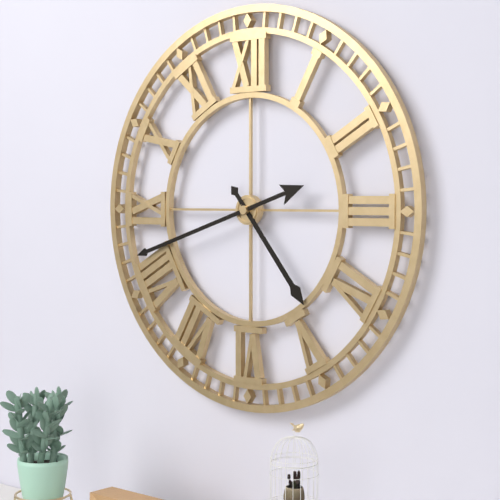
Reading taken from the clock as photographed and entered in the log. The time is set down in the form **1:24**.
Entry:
**4:42**
